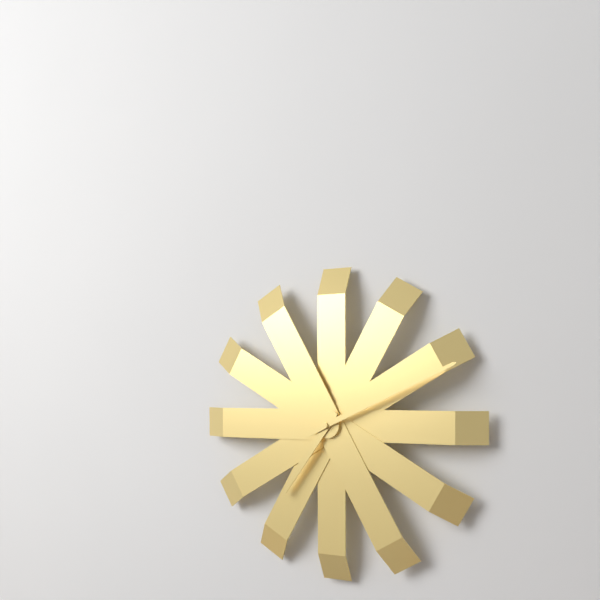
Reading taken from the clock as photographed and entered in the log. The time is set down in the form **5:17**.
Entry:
**7:11**
